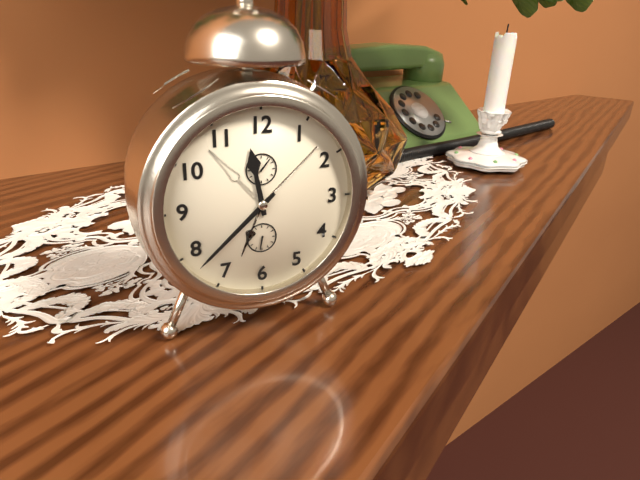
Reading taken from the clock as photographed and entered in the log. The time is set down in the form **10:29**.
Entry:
**11:38**
